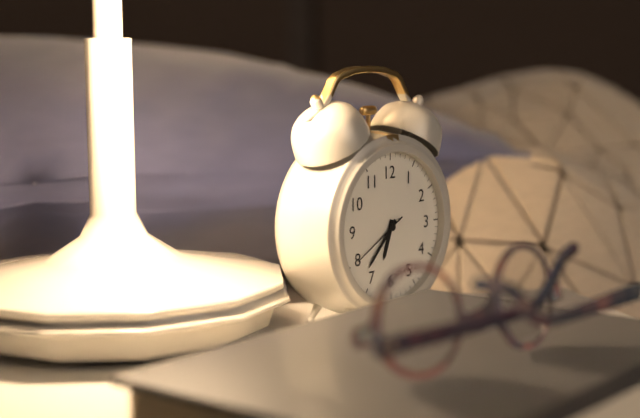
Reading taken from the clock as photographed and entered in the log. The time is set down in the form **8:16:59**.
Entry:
**6:37:40**
